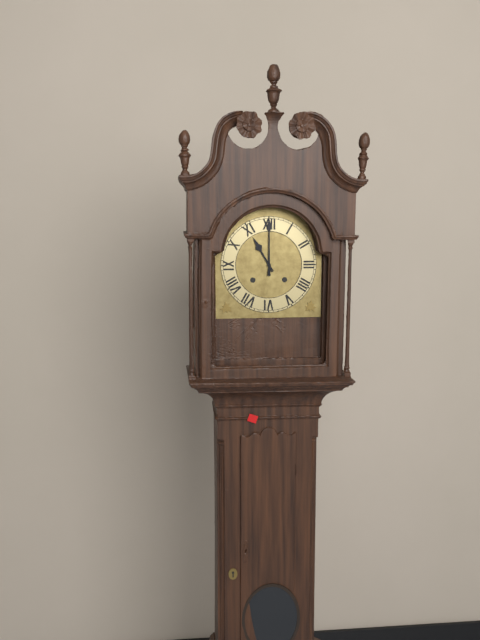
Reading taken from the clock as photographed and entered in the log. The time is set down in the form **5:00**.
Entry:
**11:00**
